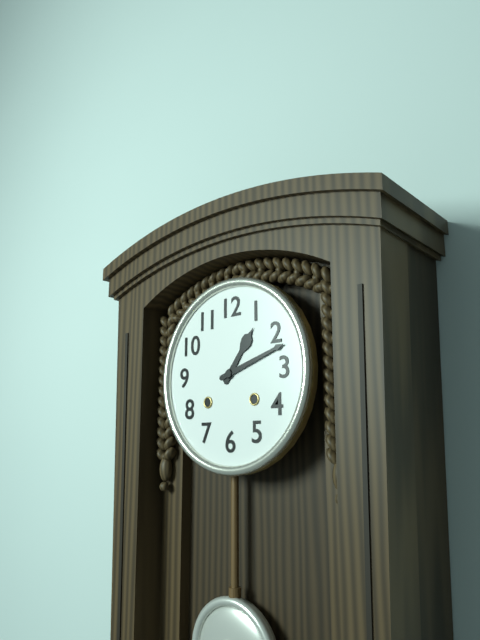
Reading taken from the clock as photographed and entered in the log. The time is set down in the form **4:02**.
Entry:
**1:12**
